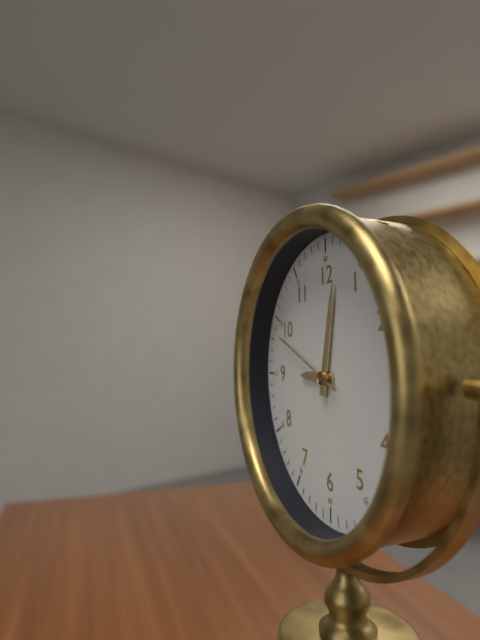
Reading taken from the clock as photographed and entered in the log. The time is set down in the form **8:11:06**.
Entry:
**9:02:49**
